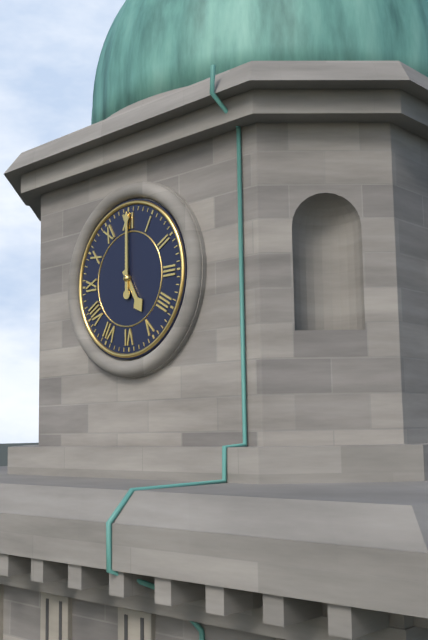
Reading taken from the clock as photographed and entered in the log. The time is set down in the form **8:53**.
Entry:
**5:00**
